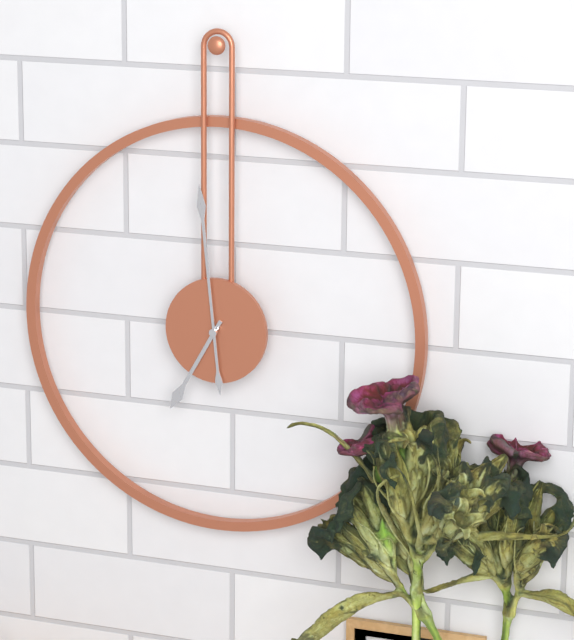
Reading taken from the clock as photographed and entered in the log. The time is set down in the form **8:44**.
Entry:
**6:59**
